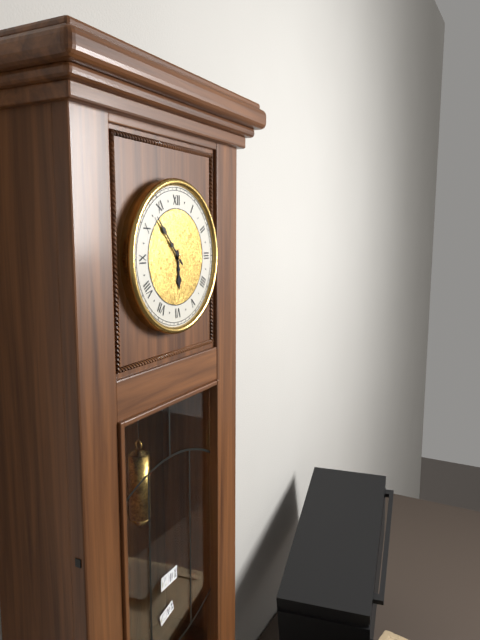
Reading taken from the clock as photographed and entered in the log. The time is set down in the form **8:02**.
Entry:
**5:53**
